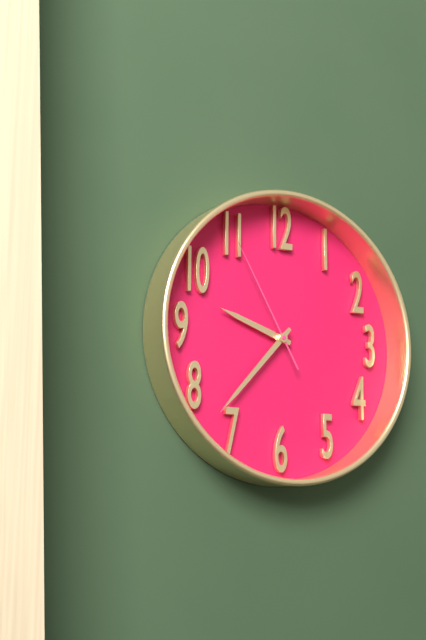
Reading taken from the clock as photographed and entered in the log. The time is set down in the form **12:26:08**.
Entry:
**9:37:55**
